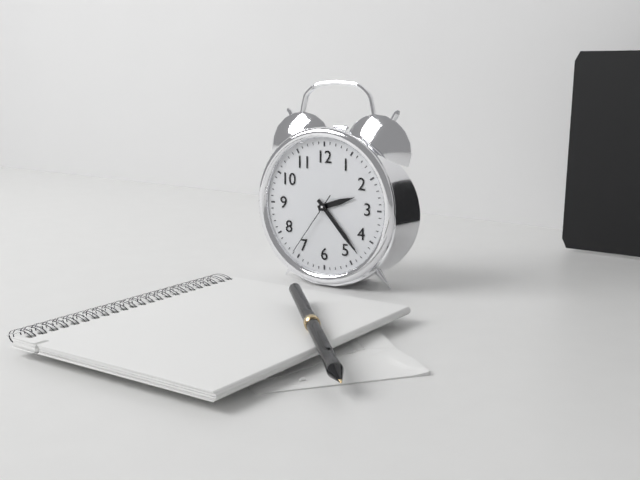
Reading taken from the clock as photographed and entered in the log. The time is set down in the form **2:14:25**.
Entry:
**2:23:36**
